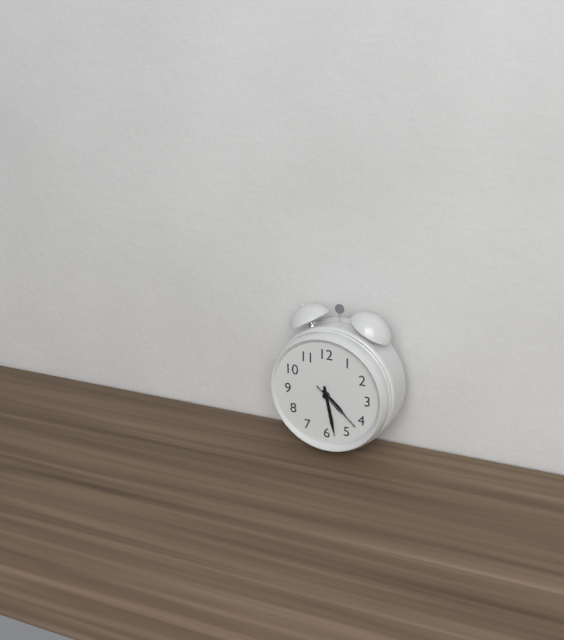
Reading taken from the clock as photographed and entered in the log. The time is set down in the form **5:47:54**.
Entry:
**4:28:22**
